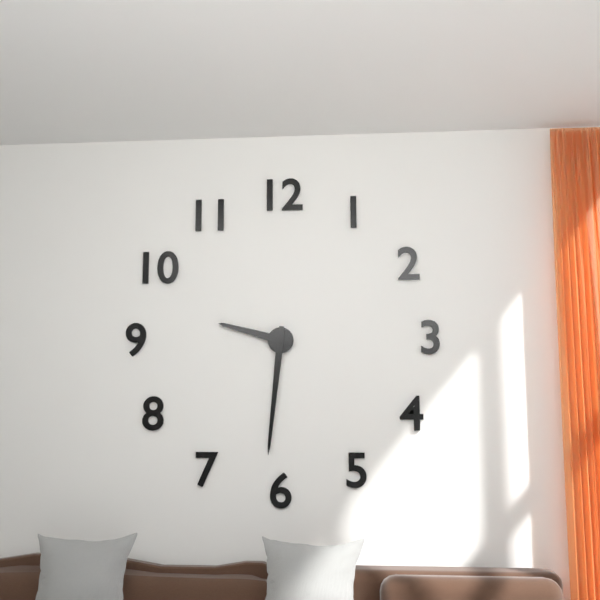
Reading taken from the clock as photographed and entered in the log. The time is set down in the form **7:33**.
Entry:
**9:31**
